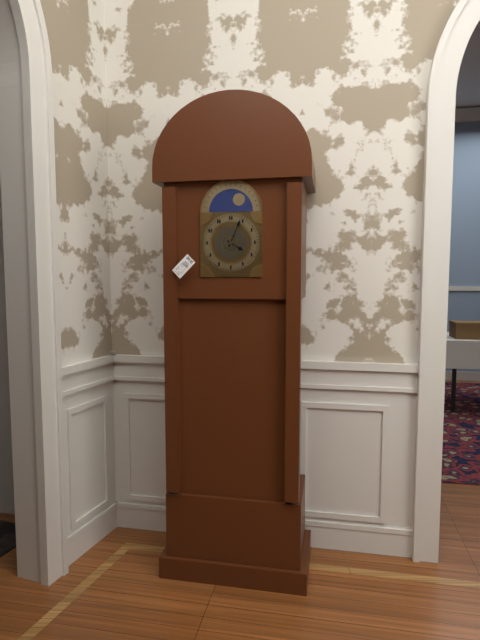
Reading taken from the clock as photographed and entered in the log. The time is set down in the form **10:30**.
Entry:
**4:04**
